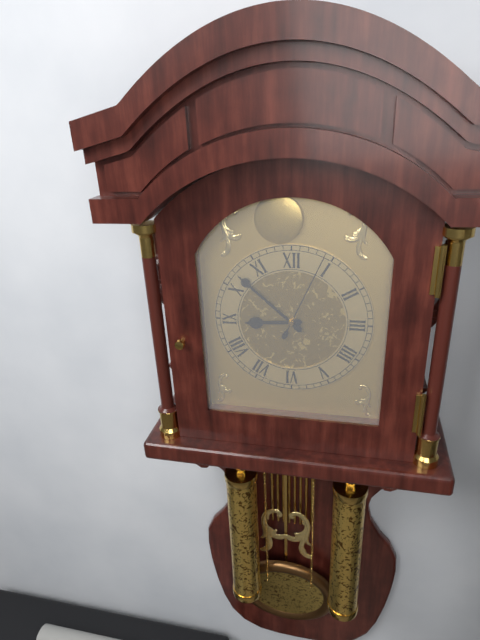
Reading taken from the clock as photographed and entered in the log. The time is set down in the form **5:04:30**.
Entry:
**8:52:04**
